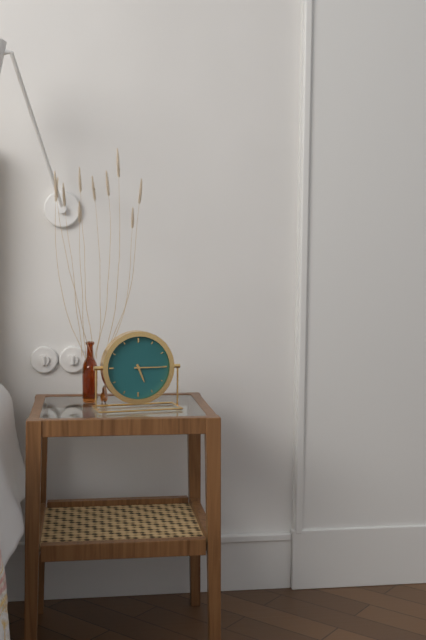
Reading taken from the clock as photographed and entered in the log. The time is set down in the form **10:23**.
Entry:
**5:15**
